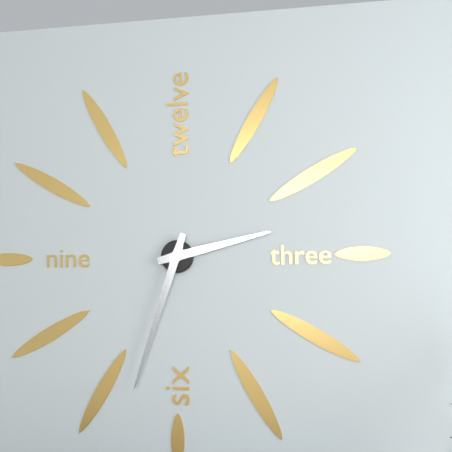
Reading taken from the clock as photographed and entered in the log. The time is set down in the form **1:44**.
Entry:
**2:33**
